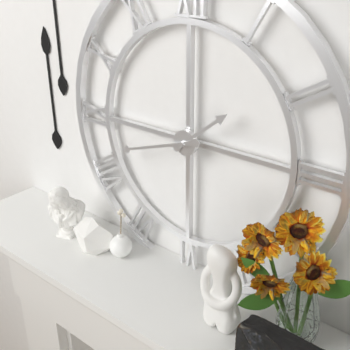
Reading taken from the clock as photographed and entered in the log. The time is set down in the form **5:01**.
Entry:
**1:42**
